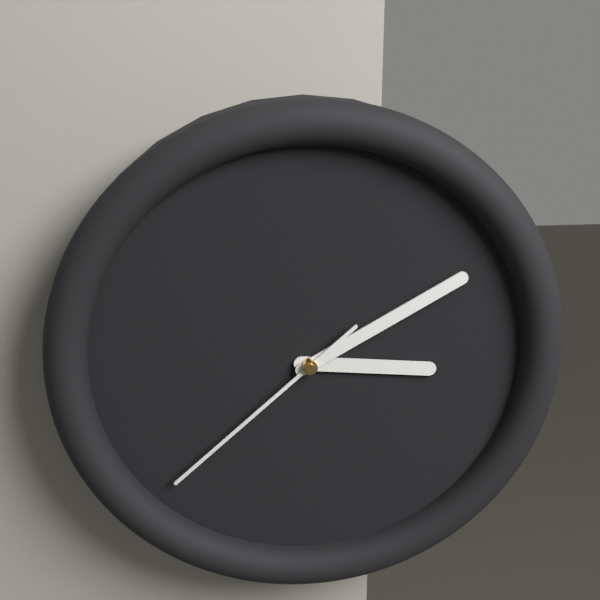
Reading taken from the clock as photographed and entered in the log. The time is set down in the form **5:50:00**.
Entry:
**3:10:38**
